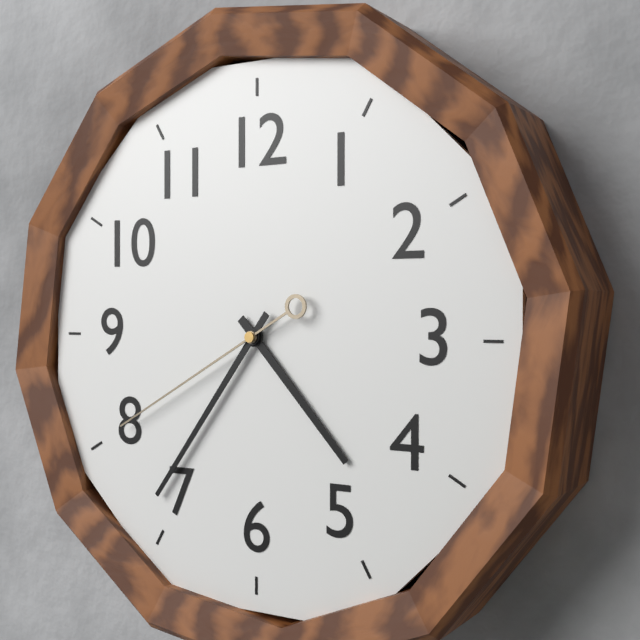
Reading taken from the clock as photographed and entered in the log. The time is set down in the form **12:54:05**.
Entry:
**4:36:40**
